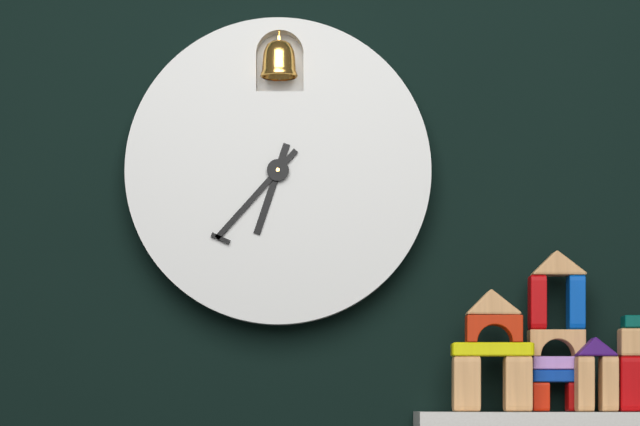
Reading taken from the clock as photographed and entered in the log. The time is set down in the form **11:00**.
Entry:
**6:37**
